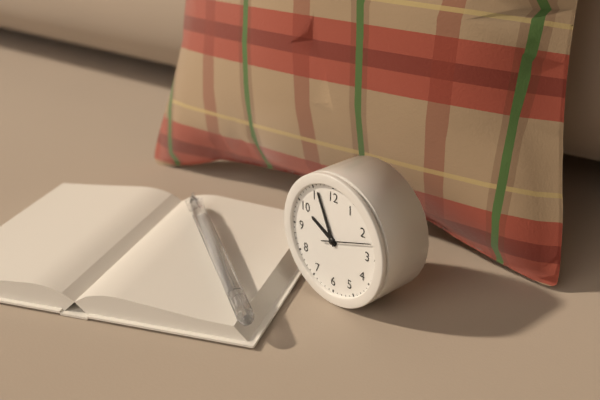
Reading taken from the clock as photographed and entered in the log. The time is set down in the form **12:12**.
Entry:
**9:56**
